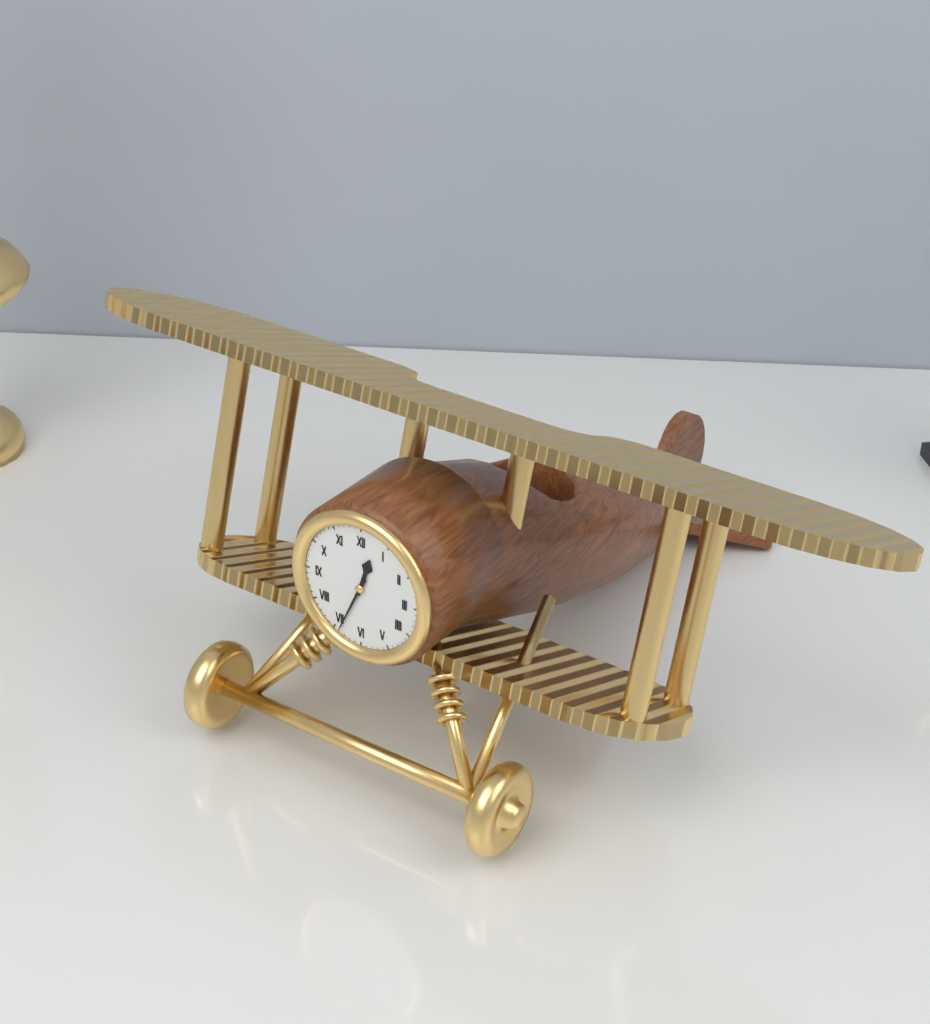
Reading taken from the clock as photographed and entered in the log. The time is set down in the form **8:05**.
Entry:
**12:34**
